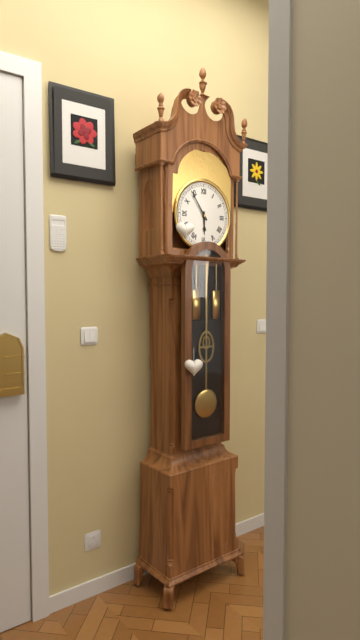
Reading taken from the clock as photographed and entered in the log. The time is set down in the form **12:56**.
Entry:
**5:54**
